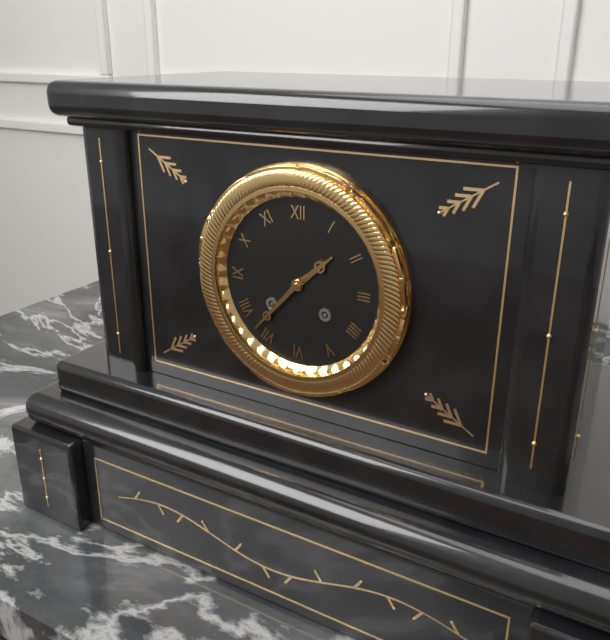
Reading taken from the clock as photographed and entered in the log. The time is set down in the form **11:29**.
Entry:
**1:37**
